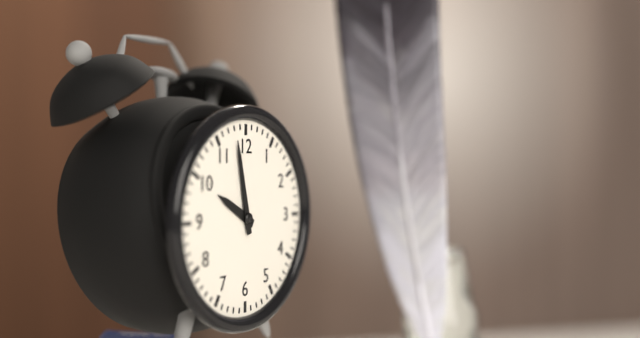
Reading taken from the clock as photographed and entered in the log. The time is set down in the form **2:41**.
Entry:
**9:58**
